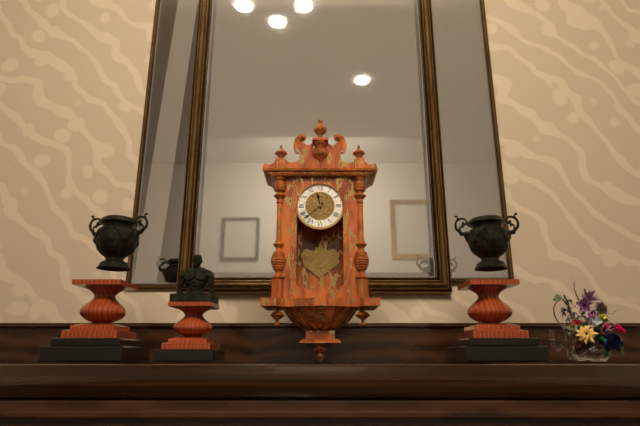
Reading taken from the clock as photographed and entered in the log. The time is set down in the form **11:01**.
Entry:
**11:38**
